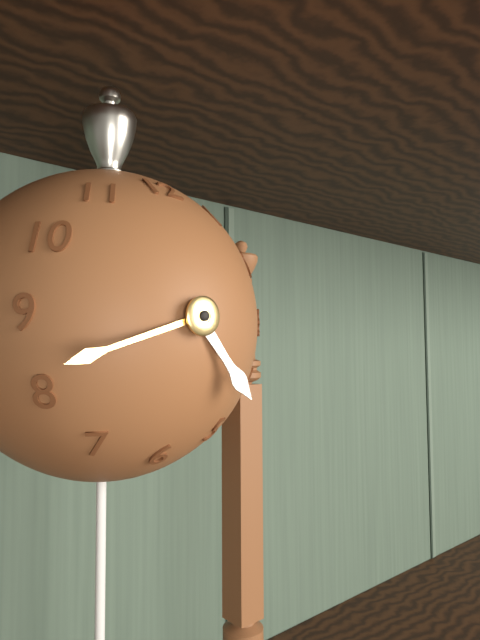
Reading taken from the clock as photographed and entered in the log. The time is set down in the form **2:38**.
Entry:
**4:42**
